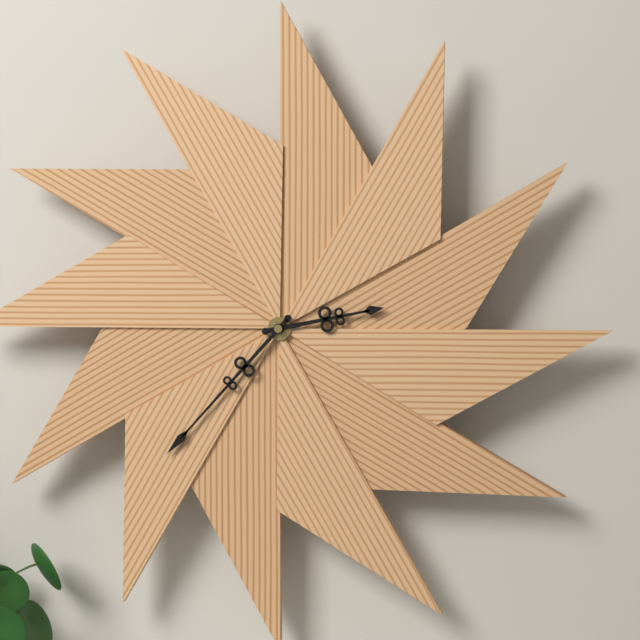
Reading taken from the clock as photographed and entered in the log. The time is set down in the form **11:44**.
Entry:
**2:37**
